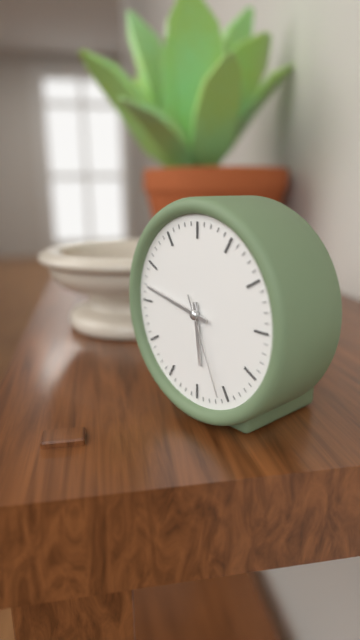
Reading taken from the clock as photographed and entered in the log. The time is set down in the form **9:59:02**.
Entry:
**5:47:26**
